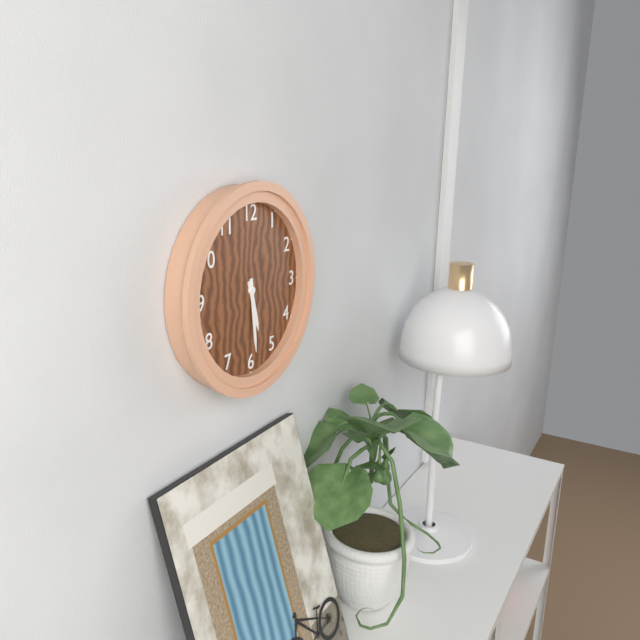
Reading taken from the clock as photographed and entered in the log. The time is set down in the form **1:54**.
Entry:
**5:29**
